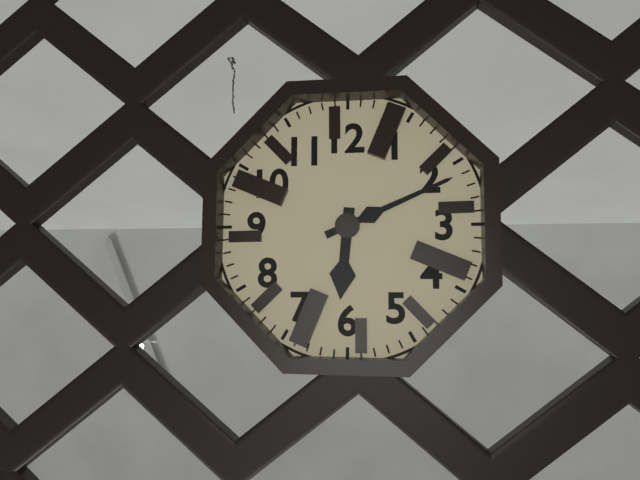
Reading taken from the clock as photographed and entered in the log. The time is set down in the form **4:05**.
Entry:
**6:11**
